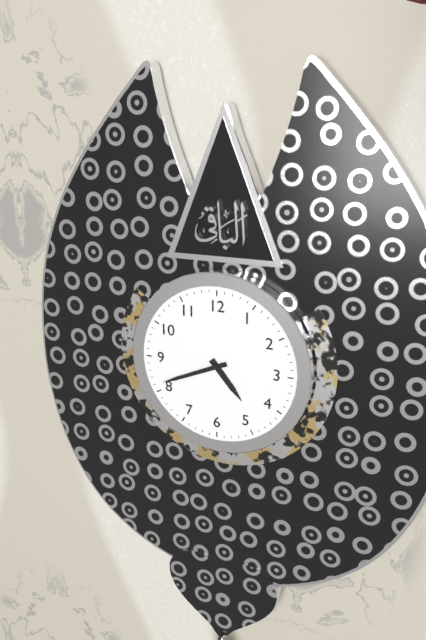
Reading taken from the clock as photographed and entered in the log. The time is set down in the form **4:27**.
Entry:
**4:41**
